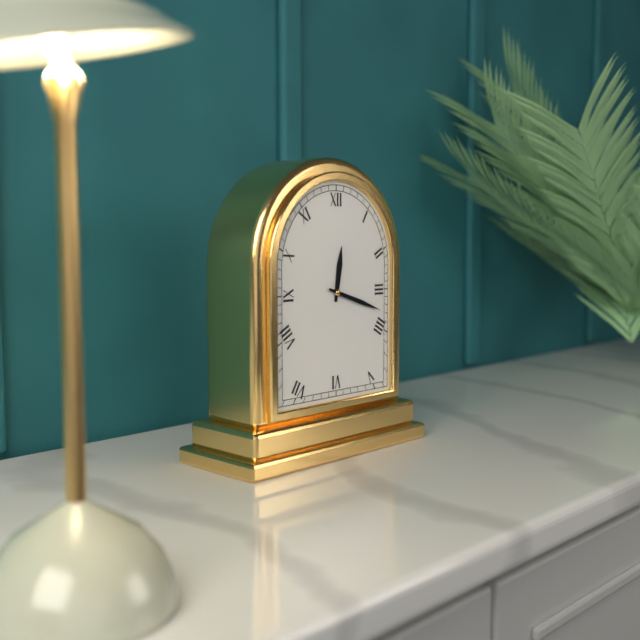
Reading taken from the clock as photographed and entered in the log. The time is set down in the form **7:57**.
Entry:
**12:18**
